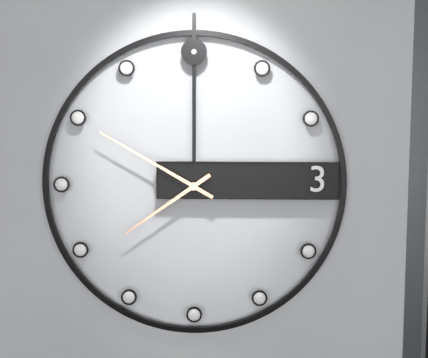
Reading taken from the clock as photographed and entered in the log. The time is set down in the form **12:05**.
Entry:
**7:50**
